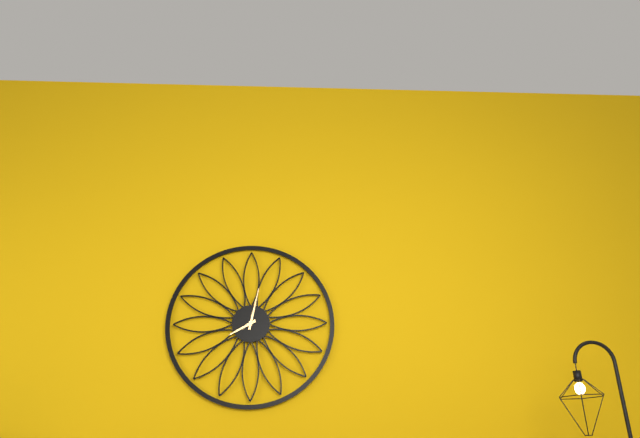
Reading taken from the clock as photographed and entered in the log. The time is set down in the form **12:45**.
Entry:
**8:02**
